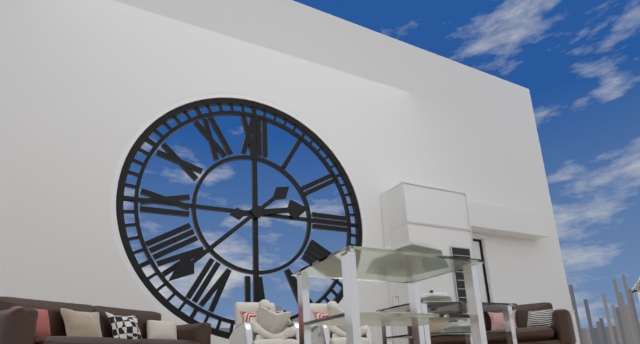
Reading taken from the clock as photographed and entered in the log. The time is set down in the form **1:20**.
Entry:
**2:38**
